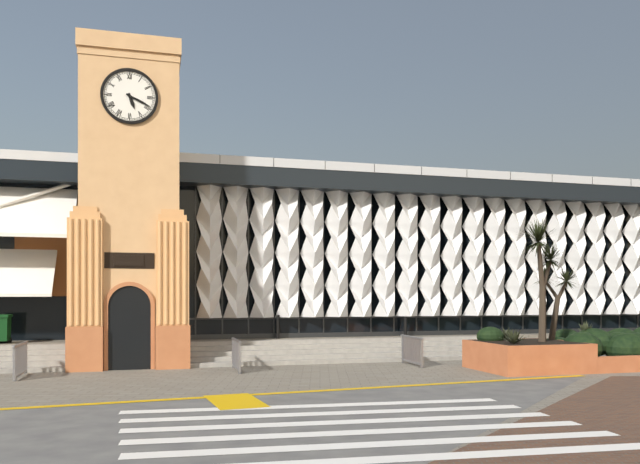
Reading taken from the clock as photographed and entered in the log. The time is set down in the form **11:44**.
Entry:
**5:19**
